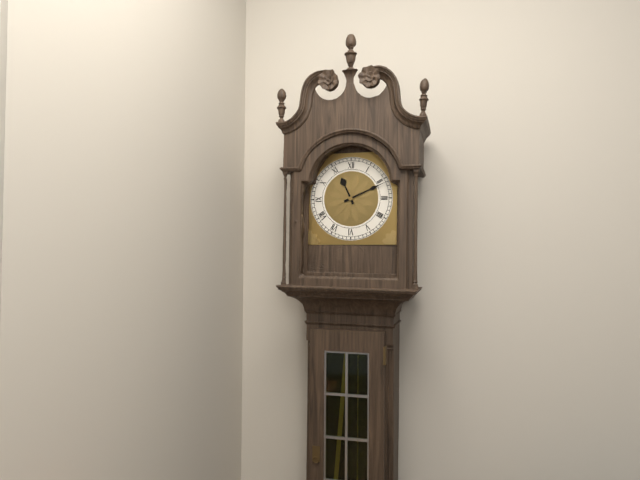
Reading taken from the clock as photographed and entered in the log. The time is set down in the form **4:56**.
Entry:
**11:11**
